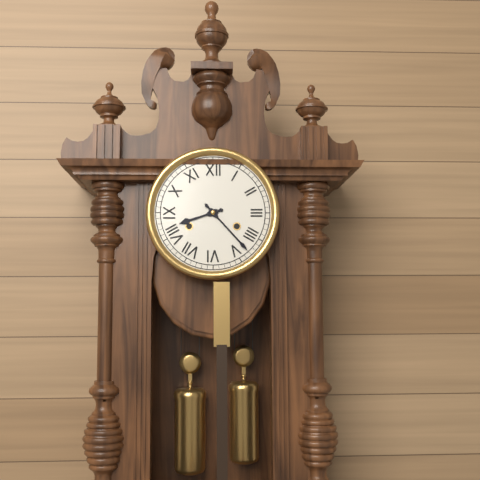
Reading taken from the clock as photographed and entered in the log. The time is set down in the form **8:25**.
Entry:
**8:23**
